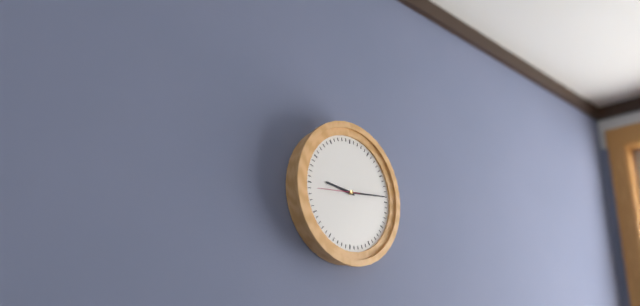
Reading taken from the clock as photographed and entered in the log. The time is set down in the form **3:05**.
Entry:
**9:14**
